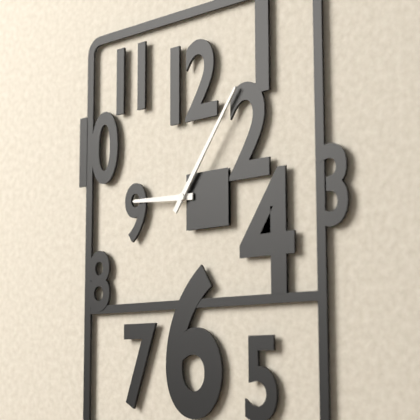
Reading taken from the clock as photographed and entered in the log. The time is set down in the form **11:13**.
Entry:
**9:06**
